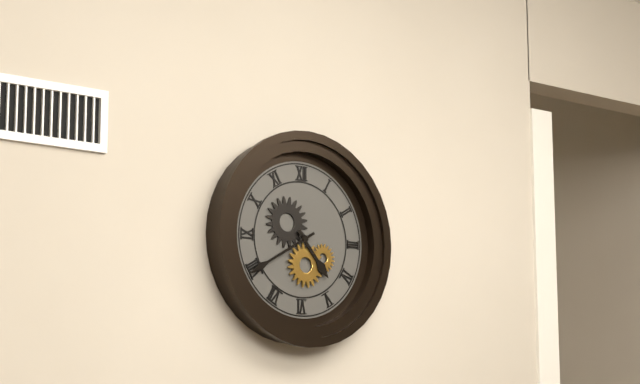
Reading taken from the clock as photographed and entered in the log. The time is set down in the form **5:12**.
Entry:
**4:40**
